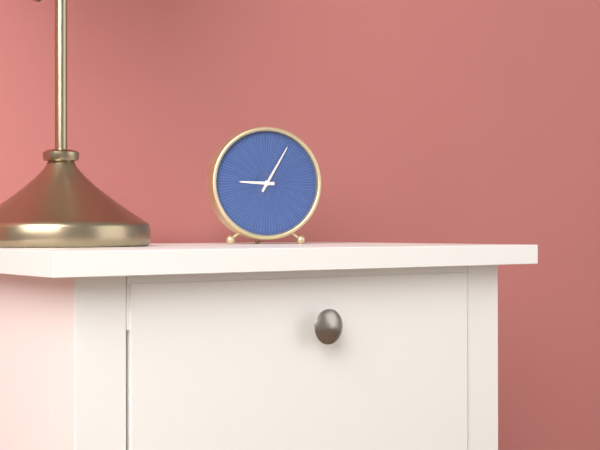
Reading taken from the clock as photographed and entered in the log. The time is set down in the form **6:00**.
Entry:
**9:05**
